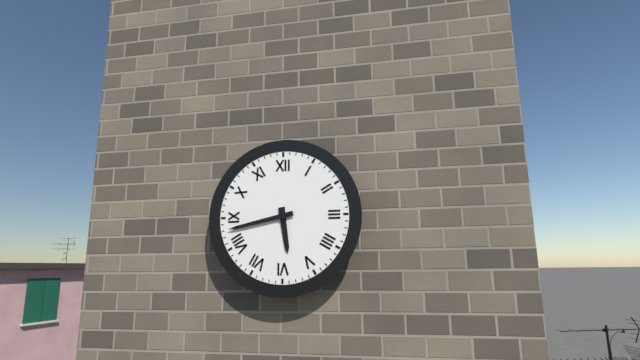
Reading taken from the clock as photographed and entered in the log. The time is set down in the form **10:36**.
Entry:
**5:43**
